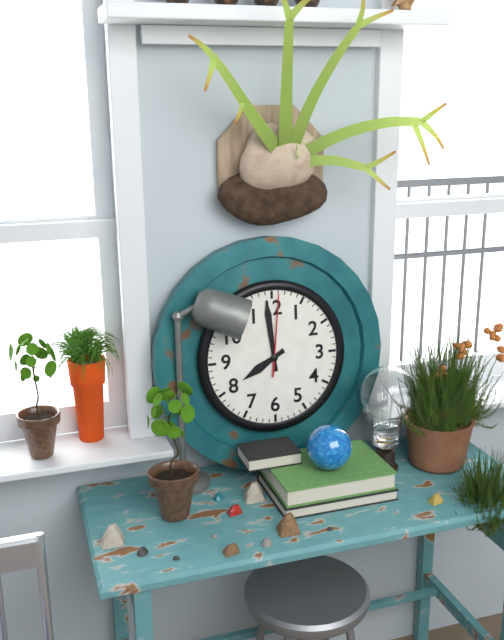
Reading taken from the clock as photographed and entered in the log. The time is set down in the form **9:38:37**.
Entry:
**7:59:01**
